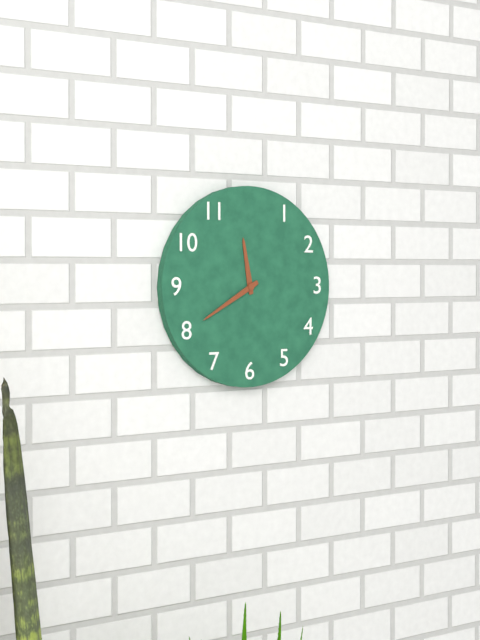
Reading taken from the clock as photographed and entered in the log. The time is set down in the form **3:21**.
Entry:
**11:40**
